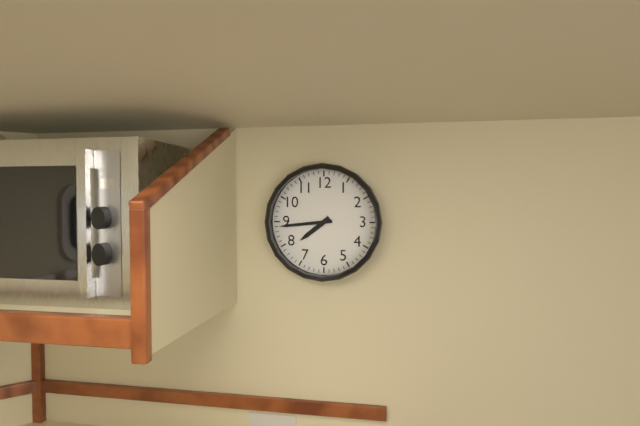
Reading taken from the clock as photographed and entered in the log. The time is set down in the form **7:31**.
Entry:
**7:44**
